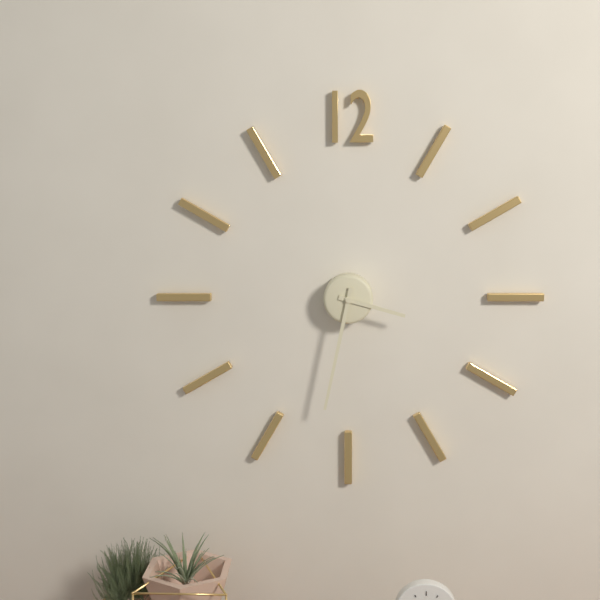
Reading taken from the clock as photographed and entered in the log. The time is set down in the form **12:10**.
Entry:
**3:32**
